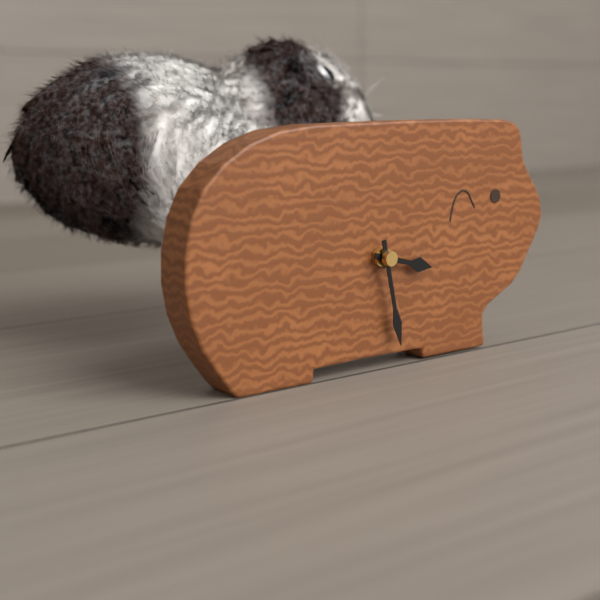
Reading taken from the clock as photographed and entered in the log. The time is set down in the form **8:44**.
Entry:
**3:28**
